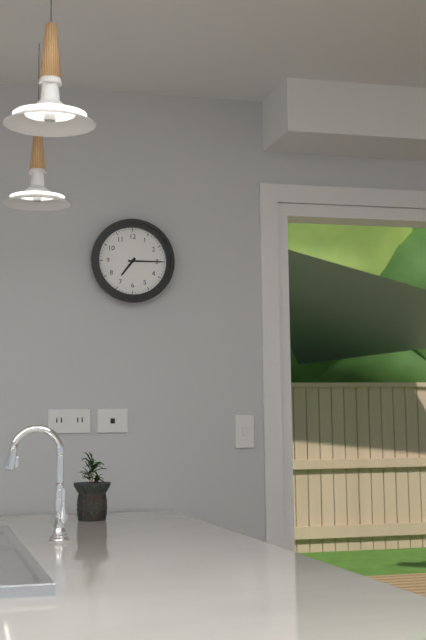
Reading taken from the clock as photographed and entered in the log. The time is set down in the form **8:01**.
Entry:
**7:15**
